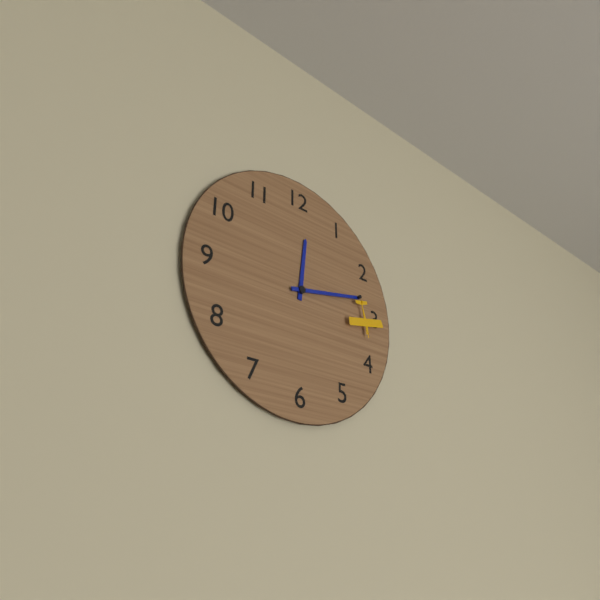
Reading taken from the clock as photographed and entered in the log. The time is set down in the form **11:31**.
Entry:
**12:13**
